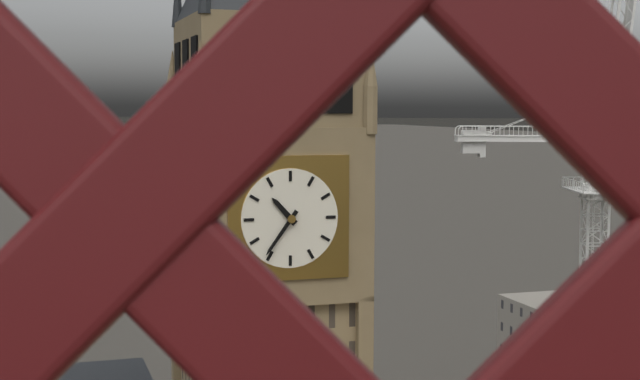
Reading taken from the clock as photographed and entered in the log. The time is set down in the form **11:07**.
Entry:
**10:36**
